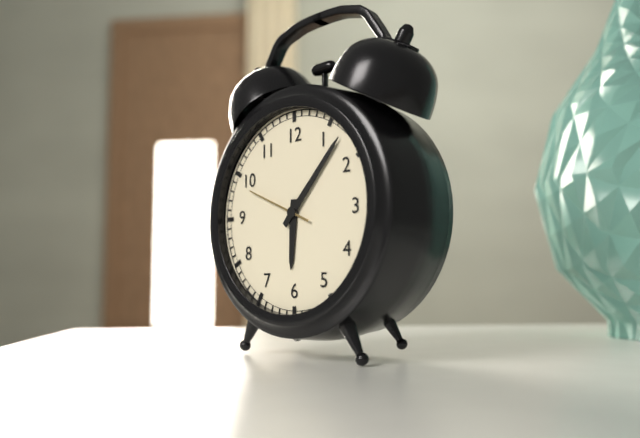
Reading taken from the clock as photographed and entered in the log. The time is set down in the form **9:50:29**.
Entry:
**6:07:49**
